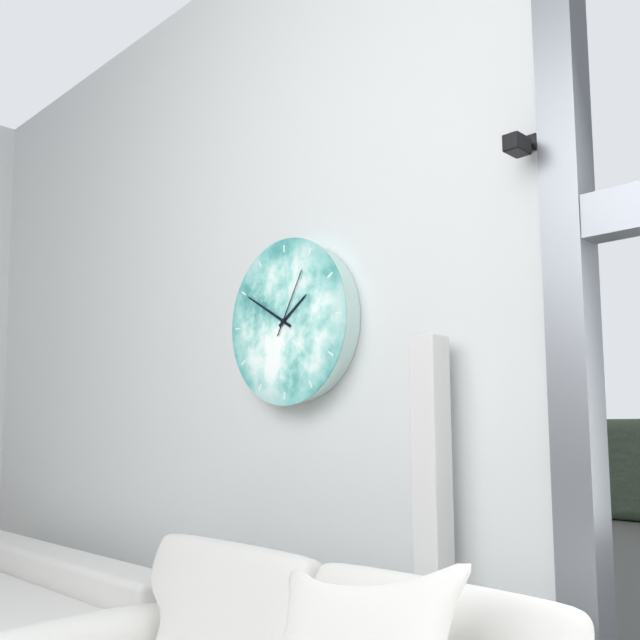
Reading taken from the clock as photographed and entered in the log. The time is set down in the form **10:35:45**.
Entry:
**1:50:05**
